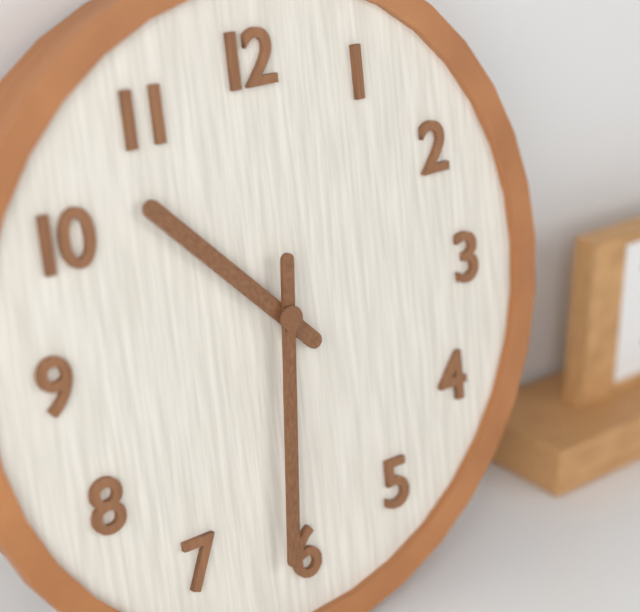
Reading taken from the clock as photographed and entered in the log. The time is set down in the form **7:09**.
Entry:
**10:31**
